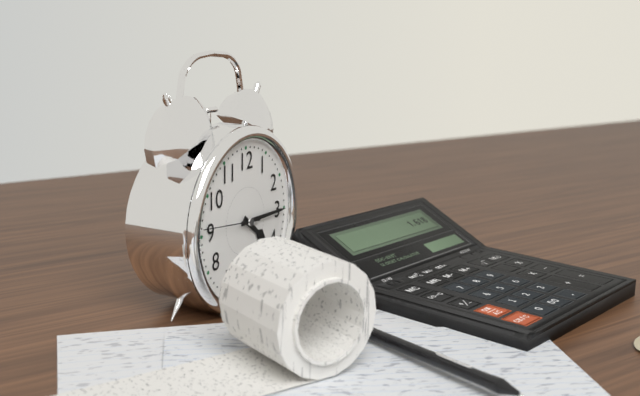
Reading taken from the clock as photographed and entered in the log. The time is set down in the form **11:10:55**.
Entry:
**4:15:46**
